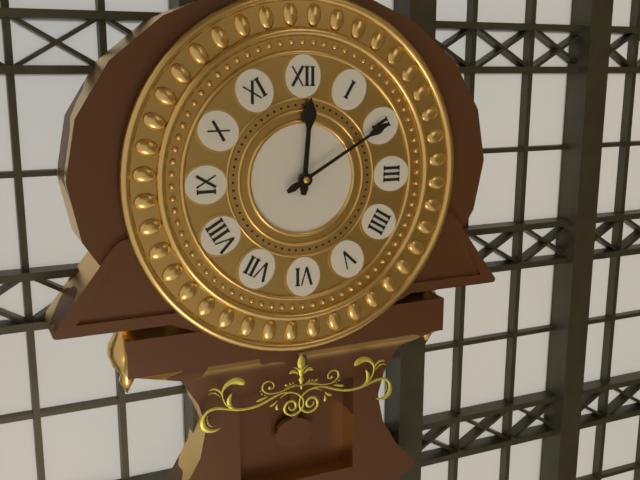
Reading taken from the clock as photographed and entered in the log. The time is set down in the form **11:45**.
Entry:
**12:10**
